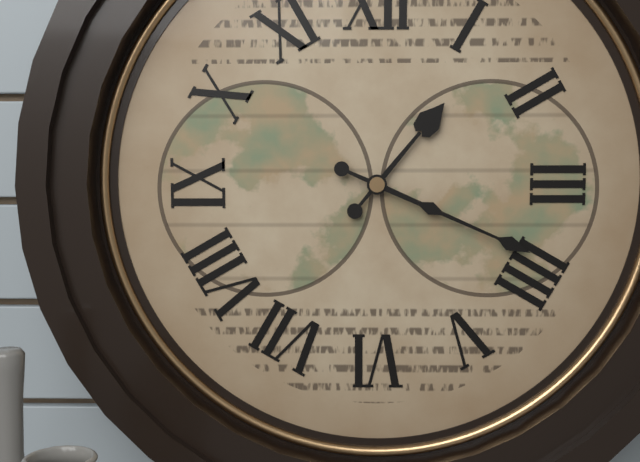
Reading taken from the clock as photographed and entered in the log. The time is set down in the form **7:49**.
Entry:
**1:19**
